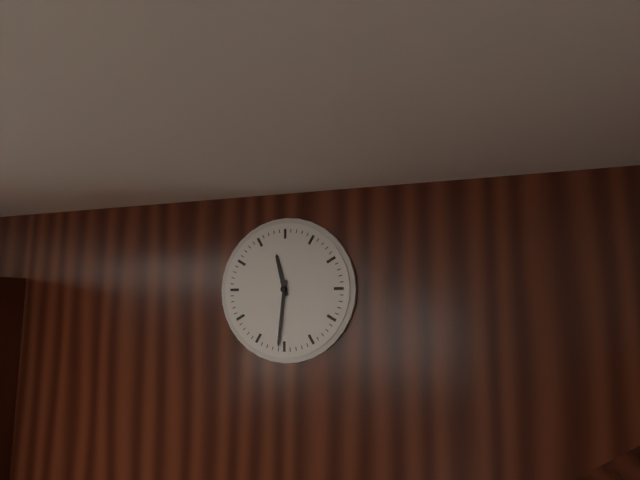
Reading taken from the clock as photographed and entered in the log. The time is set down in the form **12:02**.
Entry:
**11:31**
